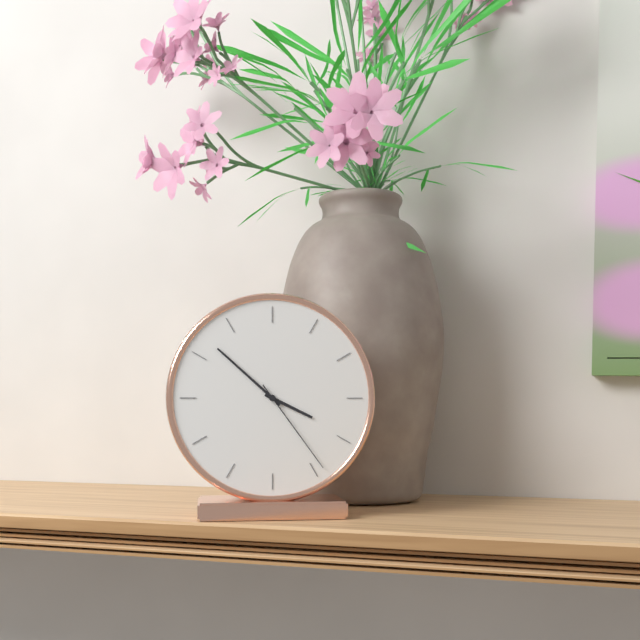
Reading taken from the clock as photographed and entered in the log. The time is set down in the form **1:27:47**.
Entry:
**3:52:24**
